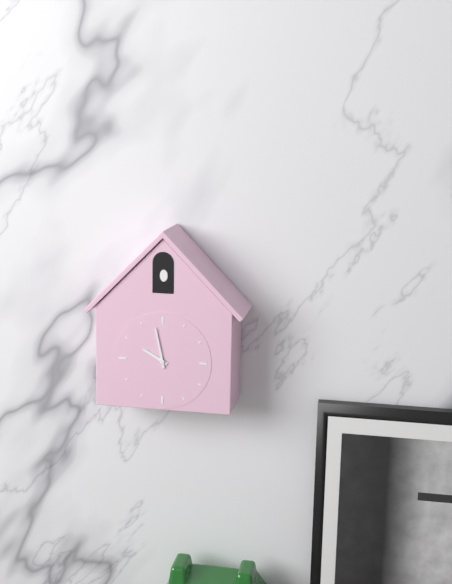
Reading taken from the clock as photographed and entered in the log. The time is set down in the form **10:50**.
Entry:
**9:58**
